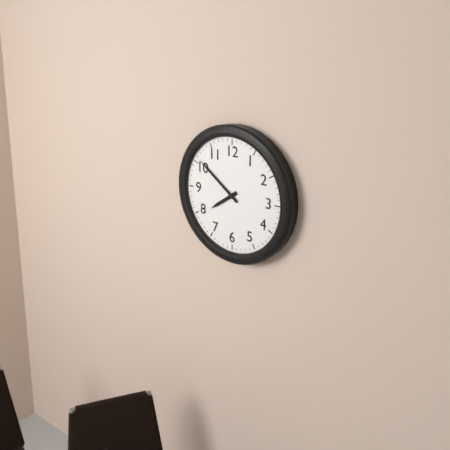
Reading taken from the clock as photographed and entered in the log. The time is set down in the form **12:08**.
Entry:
**7:51**
